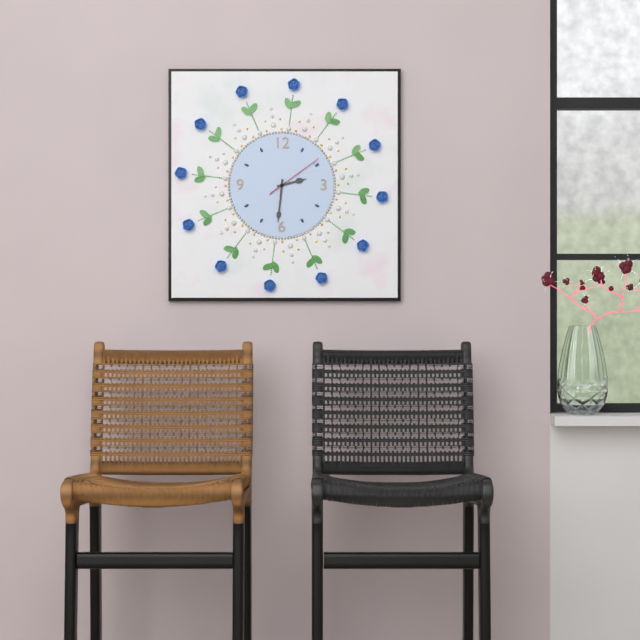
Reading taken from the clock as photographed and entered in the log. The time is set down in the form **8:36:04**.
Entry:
**2:31:09**
